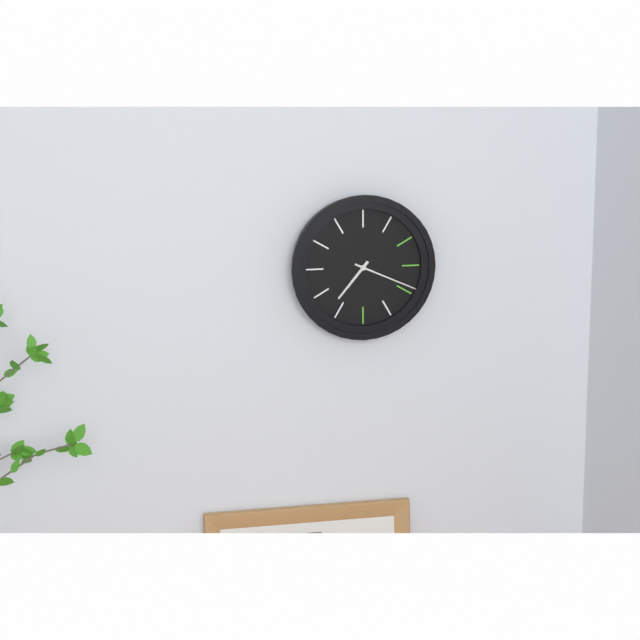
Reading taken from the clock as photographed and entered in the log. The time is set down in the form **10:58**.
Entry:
**7:19**
